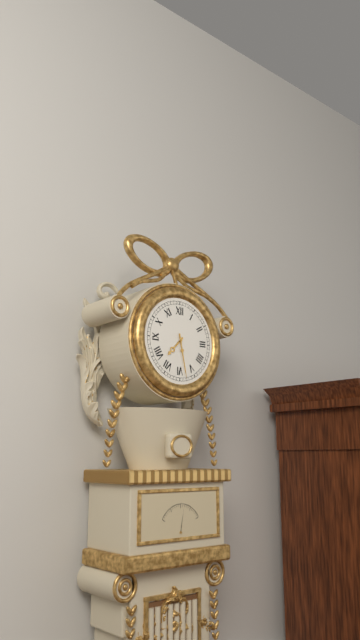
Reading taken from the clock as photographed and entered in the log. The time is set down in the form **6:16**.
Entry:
**7:28**
